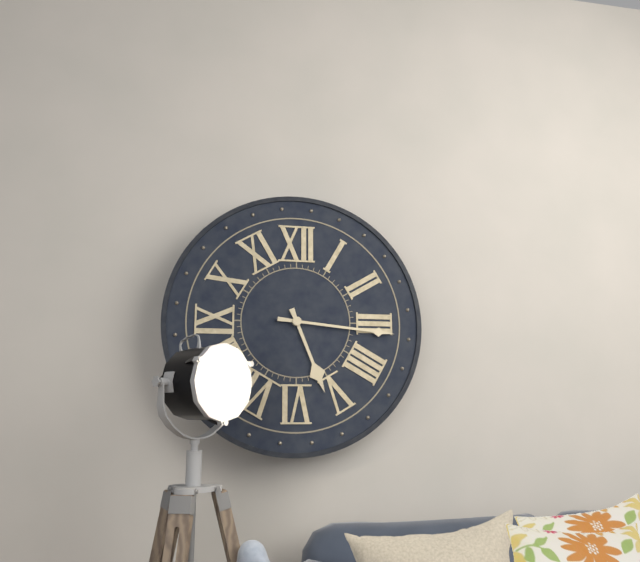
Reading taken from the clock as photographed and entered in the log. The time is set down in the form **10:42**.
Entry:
**5:16**
